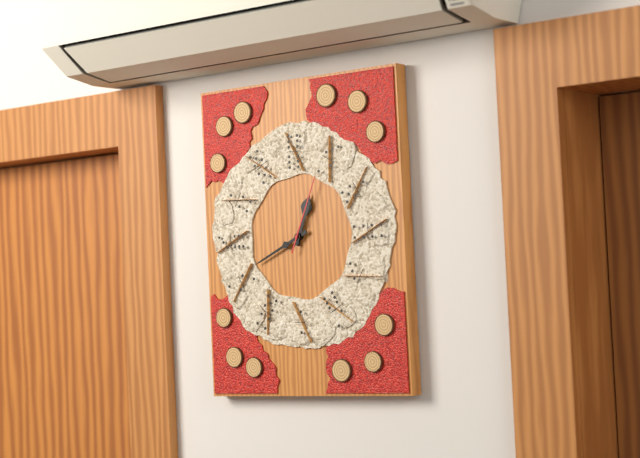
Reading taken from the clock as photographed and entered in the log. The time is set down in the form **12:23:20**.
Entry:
**12:41:04**
